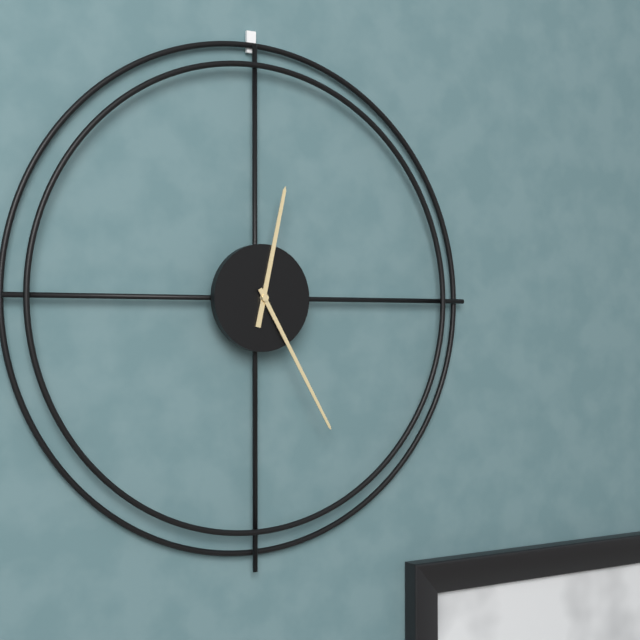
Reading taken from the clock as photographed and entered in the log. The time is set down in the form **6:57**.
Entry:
**12:25**
